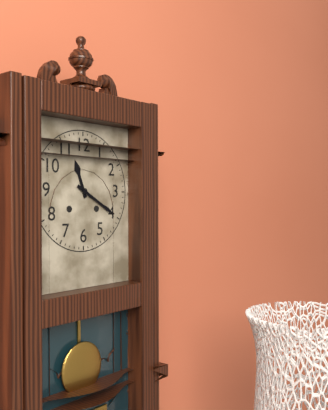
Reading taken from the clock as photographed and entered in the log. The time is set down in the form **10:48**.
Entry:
**11:20**
